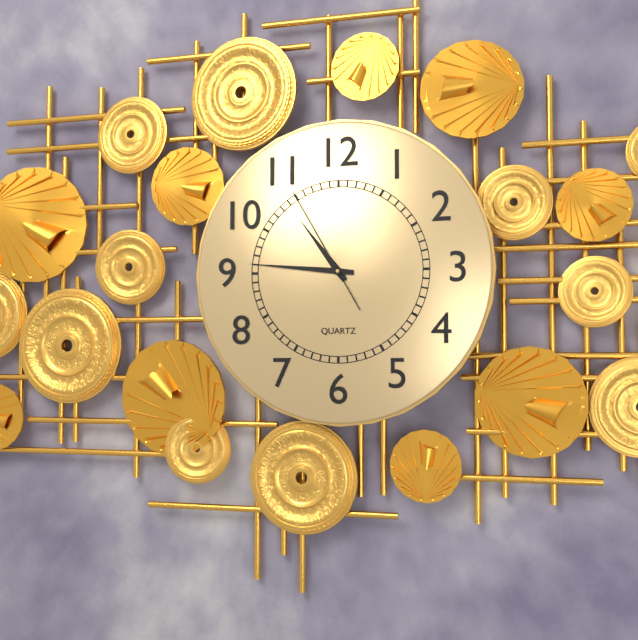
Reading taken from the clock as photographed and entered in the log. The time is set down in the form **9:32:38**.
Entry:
**10:46:55**
